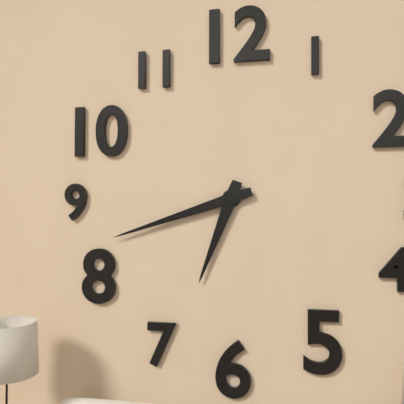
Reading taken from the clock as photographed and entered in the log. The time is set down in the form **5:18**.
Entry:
**6:42**
